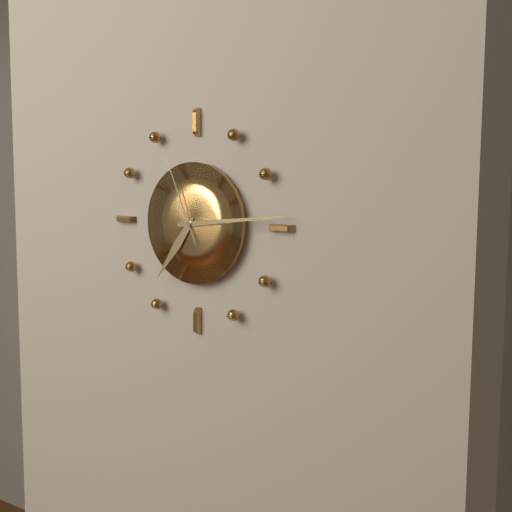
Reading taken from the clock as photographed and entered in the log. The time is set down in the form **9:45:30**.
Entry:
**7:14:56**
